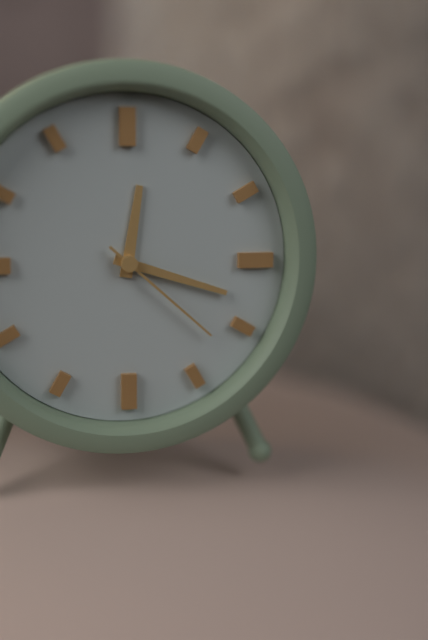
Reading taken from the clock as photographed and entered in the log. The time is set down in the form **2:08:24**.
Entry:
**12:18:22**
